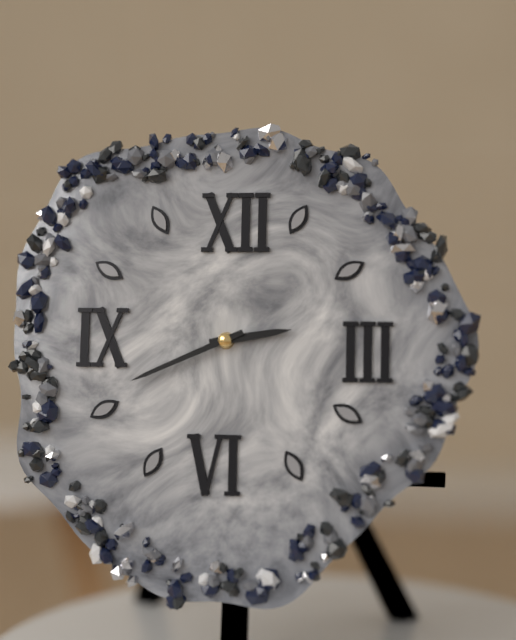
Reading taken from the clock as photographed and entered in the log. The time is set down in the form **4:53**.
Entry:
**2:41**
